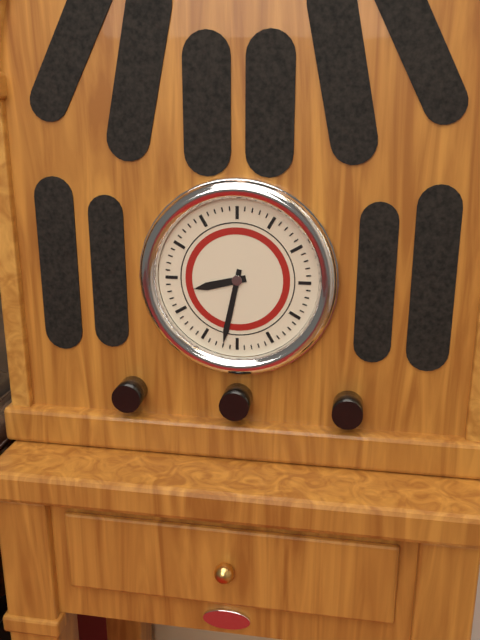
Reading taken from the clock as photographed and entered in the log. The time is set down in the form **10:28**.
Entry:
**8:32**
